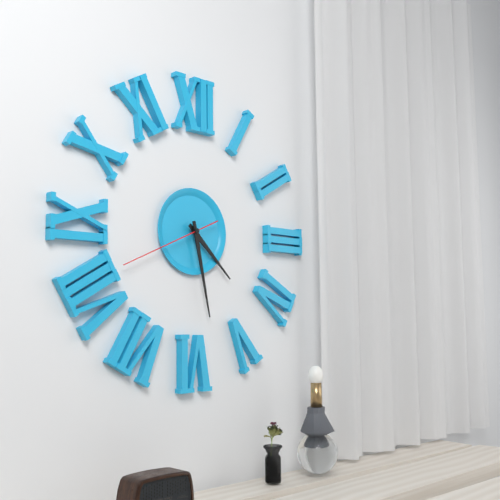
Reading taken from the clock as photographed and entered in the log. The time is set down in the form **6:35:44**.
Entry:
**4:28:41**
